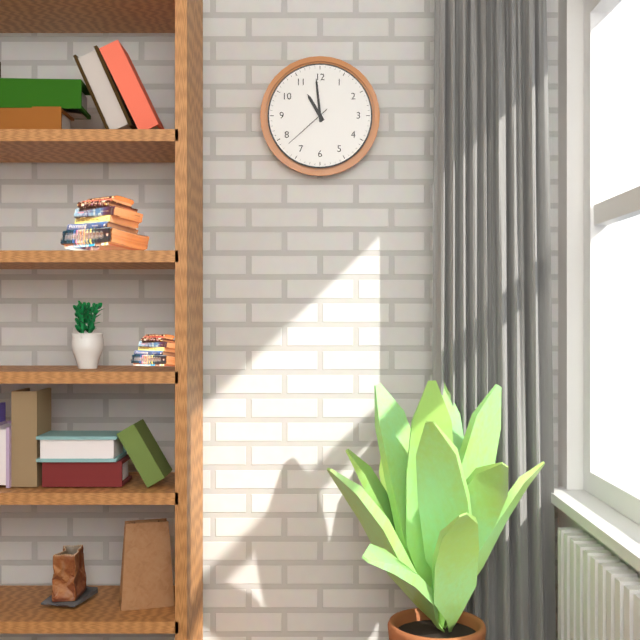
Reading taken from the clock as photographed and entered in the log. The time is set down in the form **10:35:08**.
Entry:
**10:59:38**
